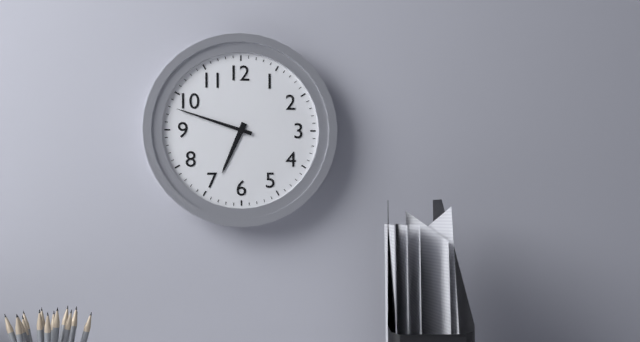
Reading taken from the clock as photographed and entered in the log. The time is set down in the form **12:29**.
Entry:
**6:48**
